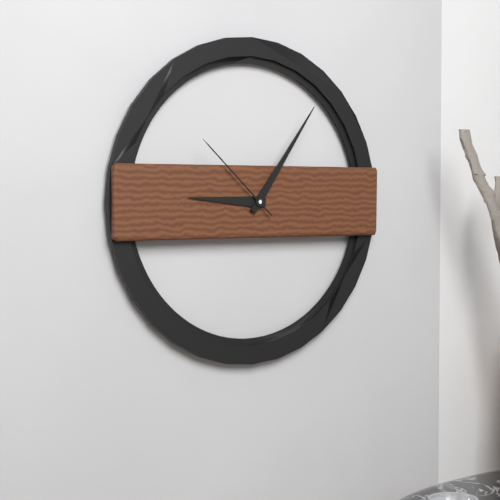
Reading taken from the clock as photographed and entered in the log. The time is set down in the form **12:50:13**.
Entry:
**9:06:52**
